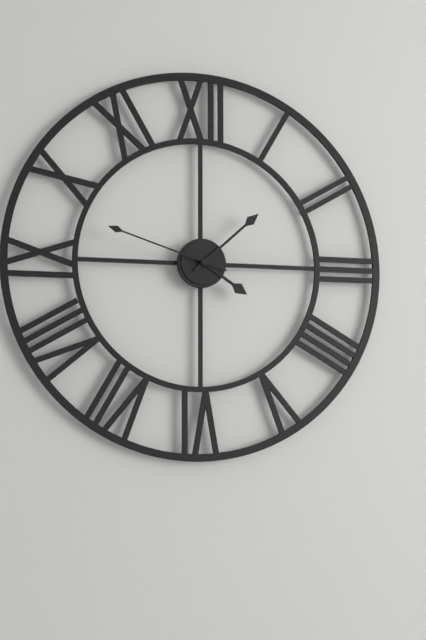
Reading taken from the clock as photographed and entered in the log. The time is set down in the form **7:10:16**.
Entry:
**4:08:48**
